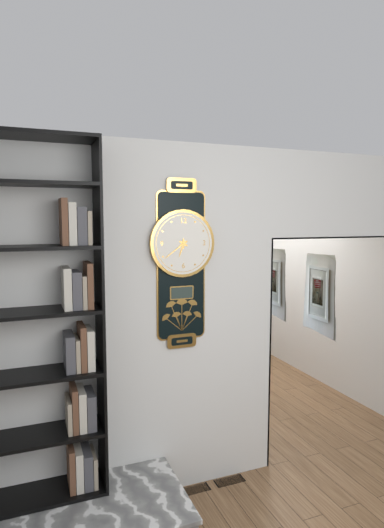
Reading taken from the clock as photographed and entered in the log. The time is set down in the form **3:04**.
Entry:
**6:39**
